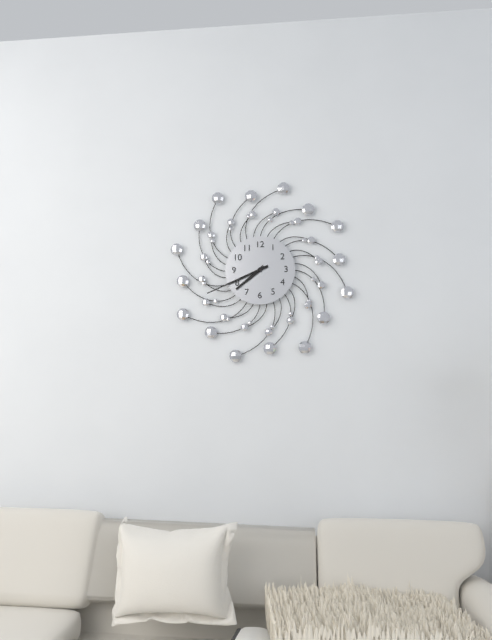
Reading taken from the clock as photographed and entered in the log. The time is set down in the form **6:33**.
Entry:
**7:41**
